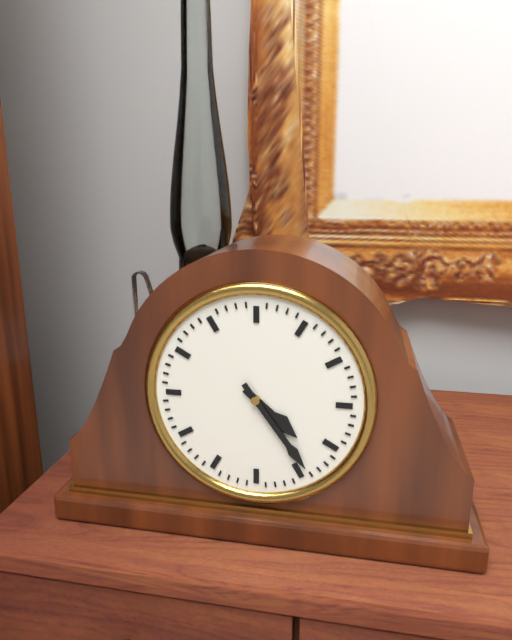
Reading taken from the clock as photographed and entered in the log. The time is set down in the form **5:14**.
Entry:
**4:24**
